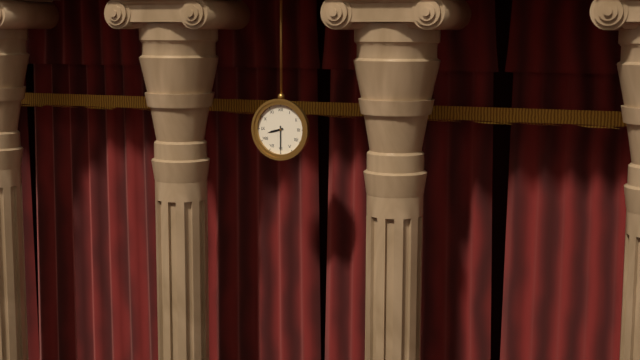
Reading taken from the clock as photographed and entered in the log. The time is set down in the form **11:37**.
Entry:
**8:30**
